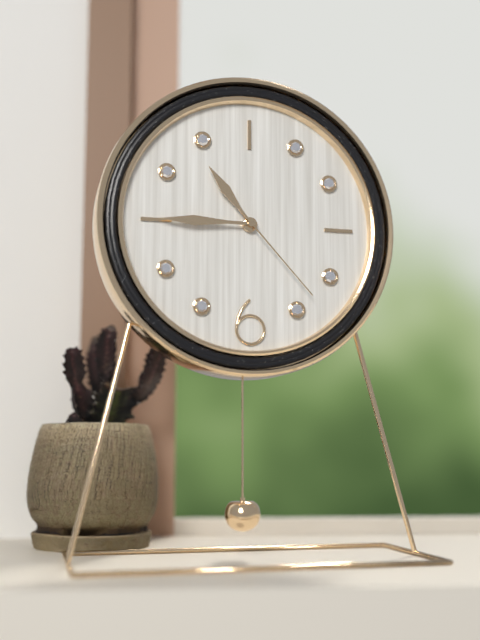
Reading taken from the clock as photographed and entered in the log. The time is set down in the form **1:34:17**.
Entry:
**10:45:23**
